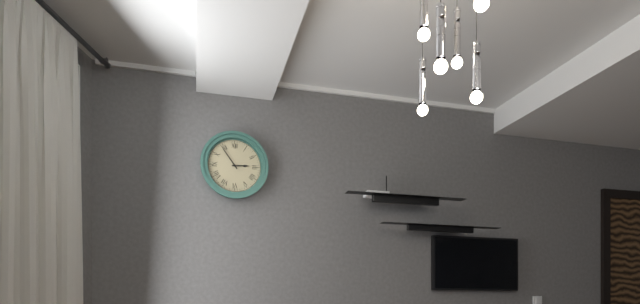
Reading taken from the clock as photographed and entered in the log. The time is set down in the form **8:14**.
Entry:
**2:54**
